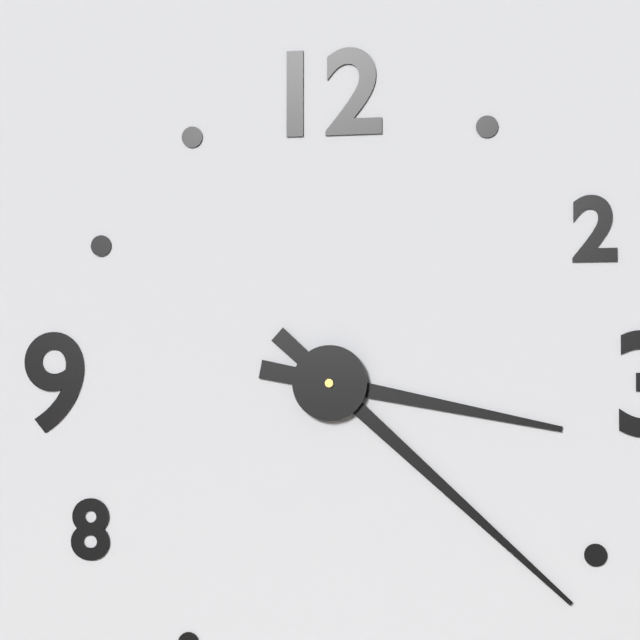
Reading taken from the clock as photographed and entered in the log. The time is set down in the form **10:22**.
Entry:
**3:22**
